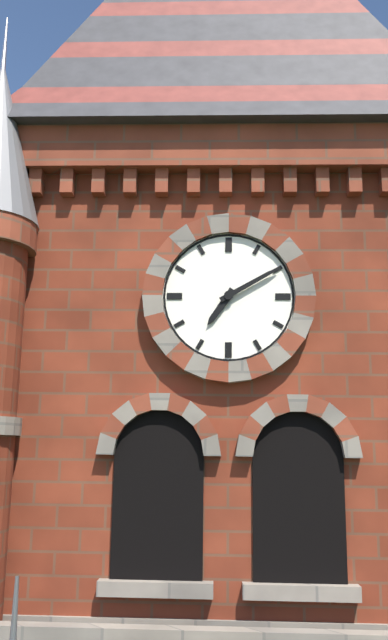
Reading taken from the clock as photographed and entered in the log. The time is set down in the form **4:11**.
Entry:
**7:10**
